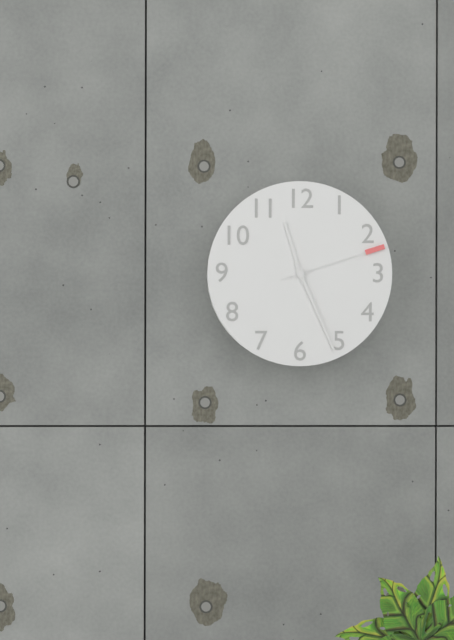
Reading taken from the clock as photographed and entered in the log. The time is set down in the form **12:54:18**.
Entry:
**11:26:12**
